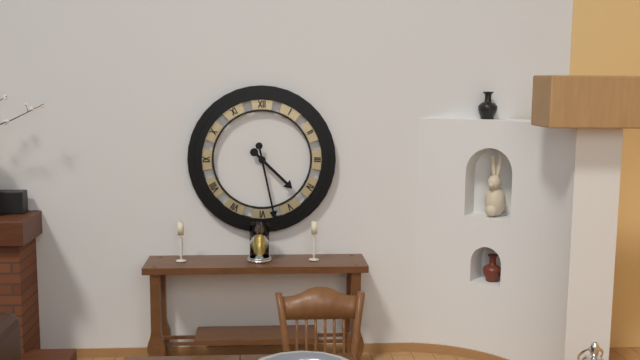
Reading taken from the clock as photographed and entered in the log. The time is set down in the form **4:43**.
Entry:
**4:28**
